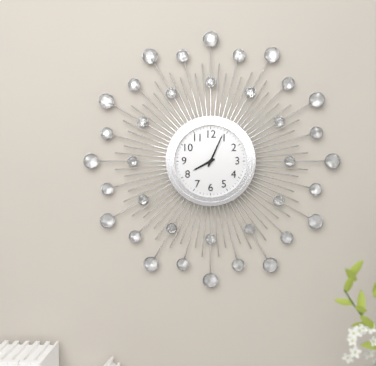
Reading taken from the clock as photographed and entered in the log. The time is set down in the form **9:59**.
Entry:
**8:04**
